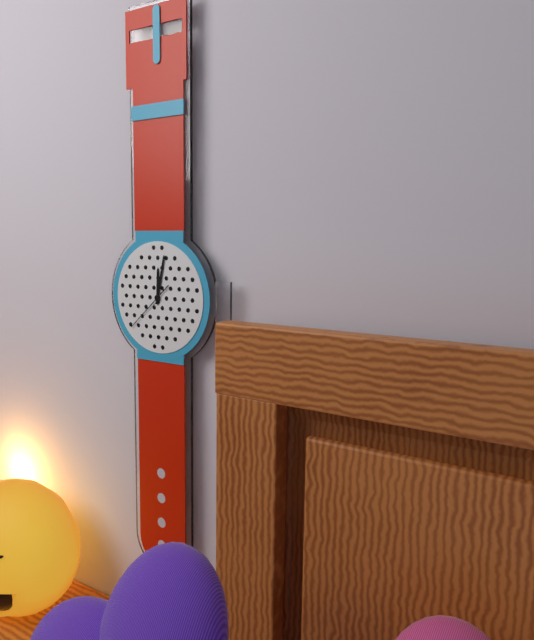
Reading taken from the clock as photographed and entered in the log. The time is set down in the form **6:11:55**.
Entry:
**12:02:38**
